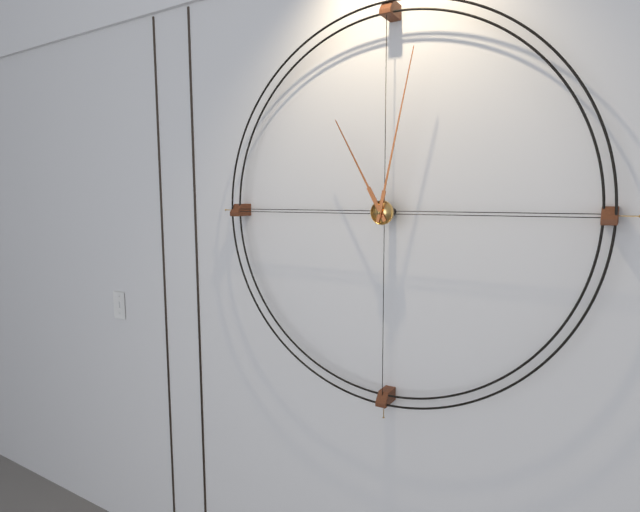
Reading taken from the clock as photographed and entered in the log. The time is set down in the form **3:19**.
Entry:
**11:02**
